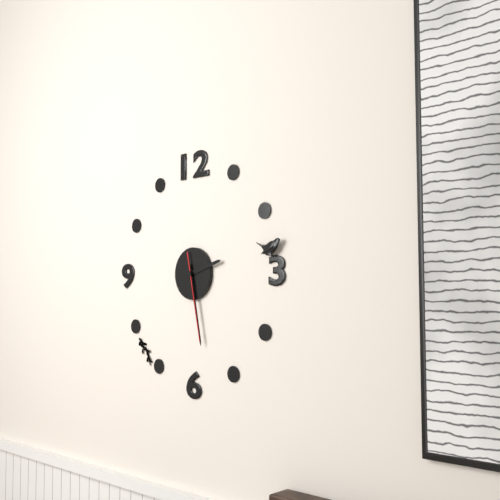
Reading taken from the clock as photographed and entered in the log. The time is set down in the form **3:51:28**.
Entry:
**2:28:28**
